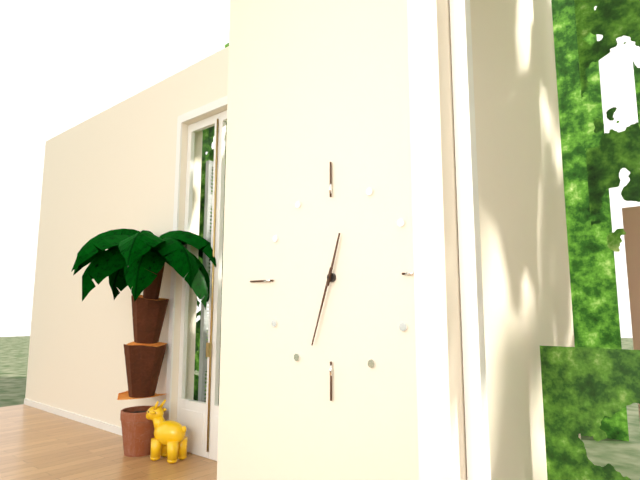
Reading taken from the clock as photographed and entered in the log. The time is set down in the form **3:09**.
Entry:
**12:33**
